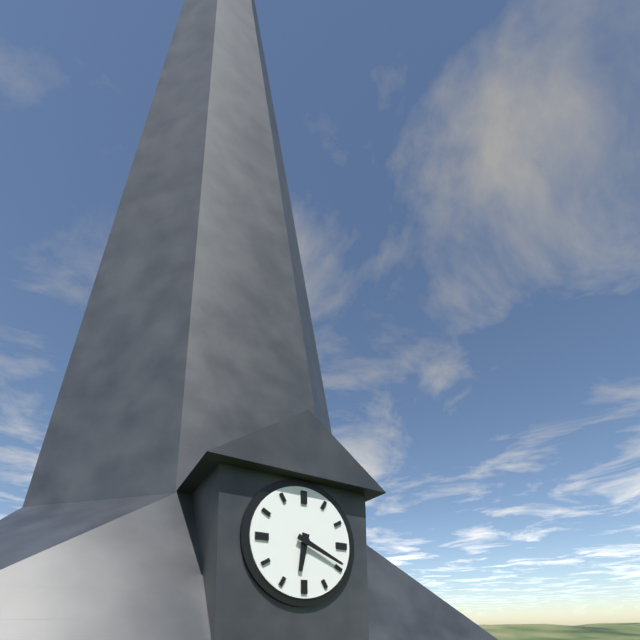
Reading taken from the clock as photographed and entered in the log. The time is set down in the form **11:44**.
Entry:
**6:19**
